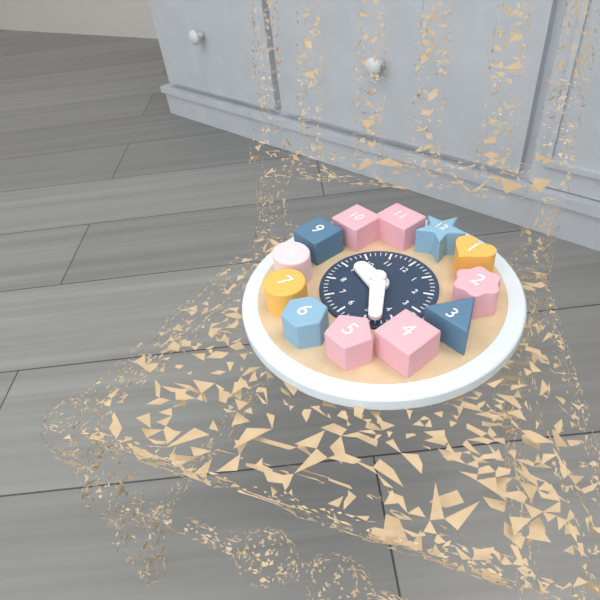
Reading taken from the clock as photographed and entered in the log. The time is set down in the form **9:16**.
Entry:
**9:23**
